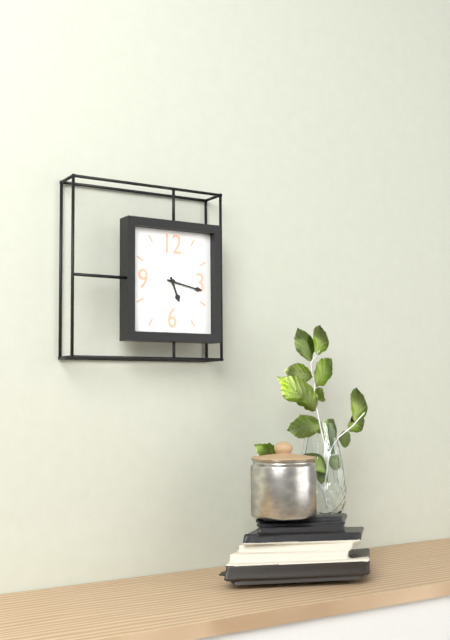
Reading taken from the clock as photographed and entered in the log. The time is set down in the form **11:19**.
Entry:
**5:17**
